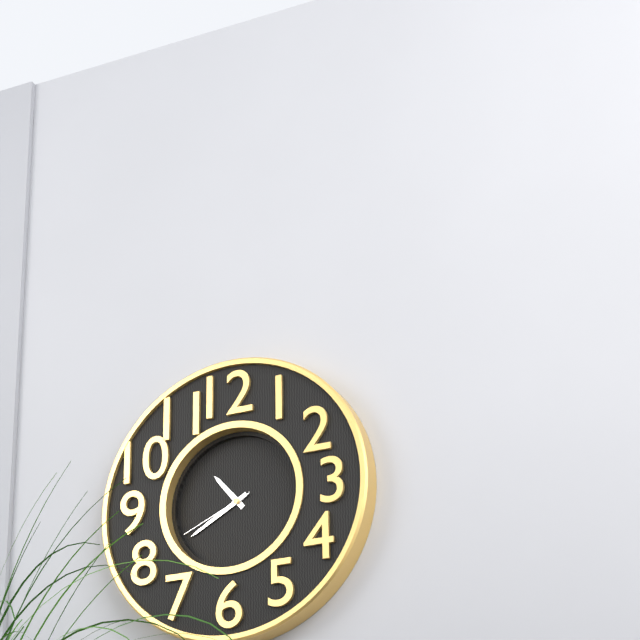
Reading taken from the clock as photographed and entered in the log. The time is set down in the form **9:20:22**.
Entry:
**10:40:41**
